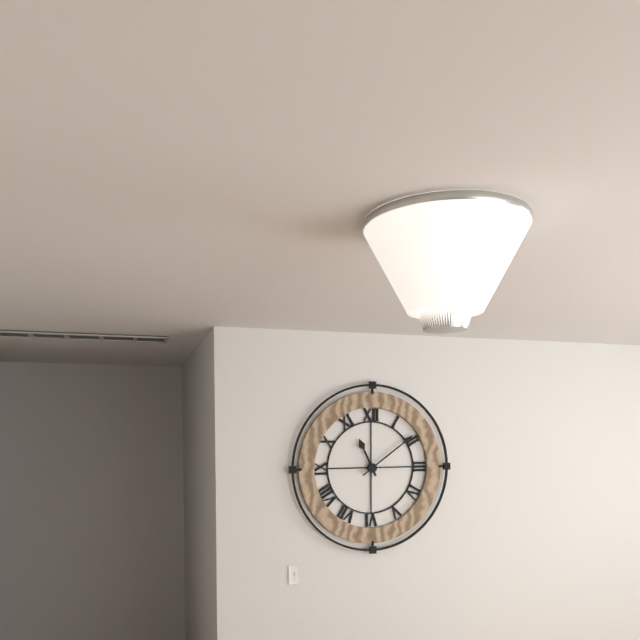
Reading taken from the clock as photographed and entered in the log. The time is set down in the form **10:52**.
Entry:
**11:09**
